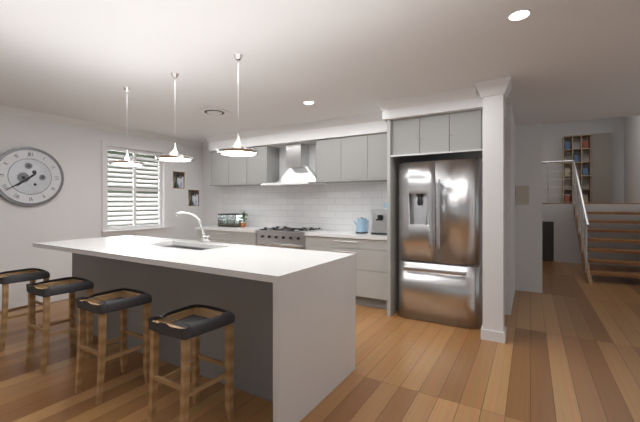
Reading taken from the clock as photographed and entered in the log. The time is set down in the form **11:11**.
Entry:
**7:39**
